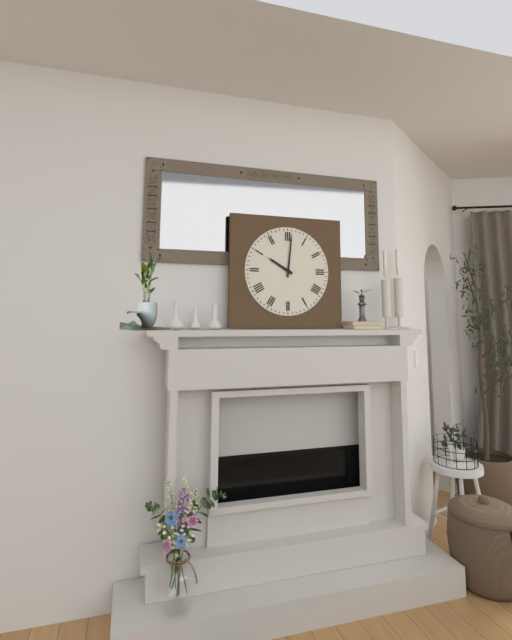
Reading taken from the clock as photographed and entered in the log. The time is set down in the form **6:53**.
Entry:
**10:01**
